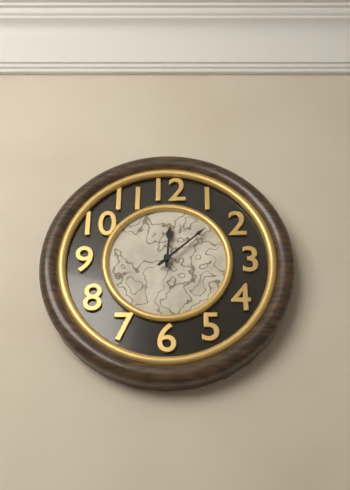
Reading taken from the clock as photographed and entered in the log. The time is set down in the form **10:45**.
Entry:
**12:08**
